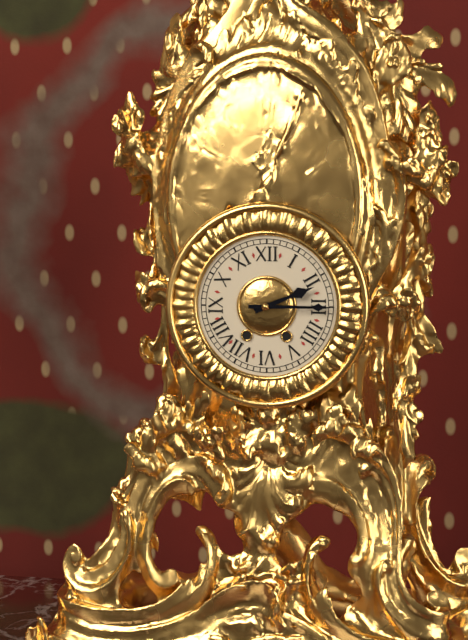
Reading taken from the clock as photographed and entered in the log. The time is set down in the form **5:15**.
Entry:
**2:15**
